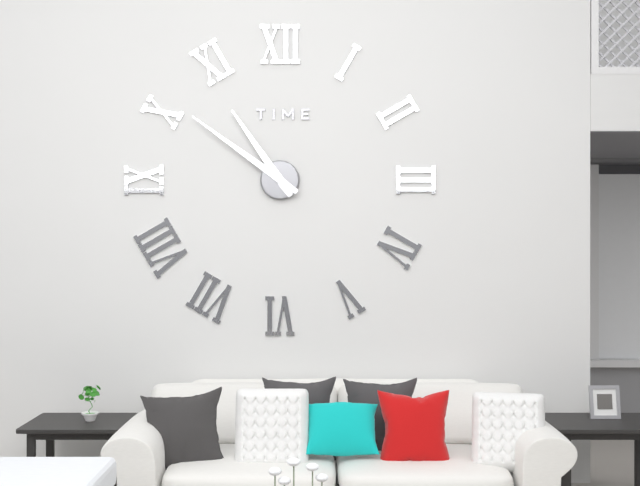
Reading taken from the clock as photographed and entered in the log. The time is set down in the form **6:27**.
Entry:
**10:51**
